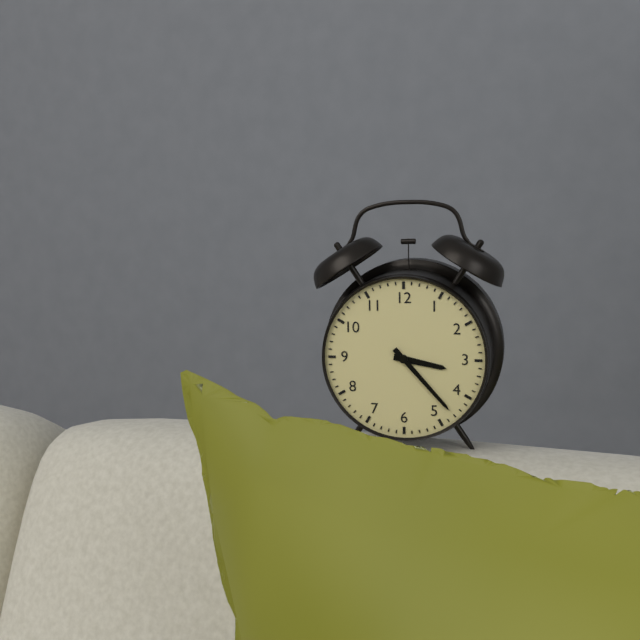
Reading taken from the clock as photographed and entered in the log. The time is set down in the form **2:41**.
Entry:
**3:23**
